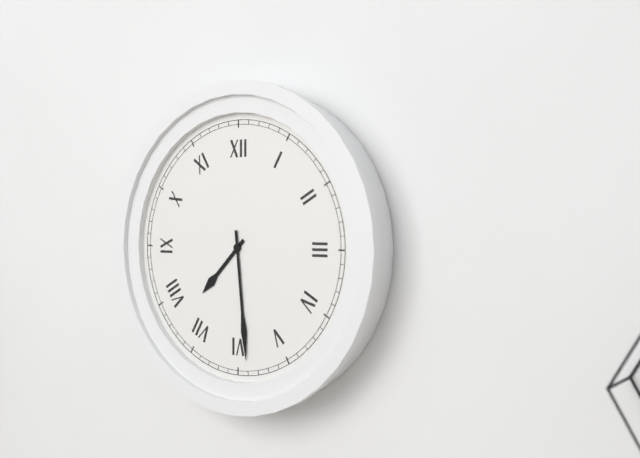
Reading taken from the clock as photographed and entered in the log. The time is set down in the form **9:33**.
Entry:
**7:29**
